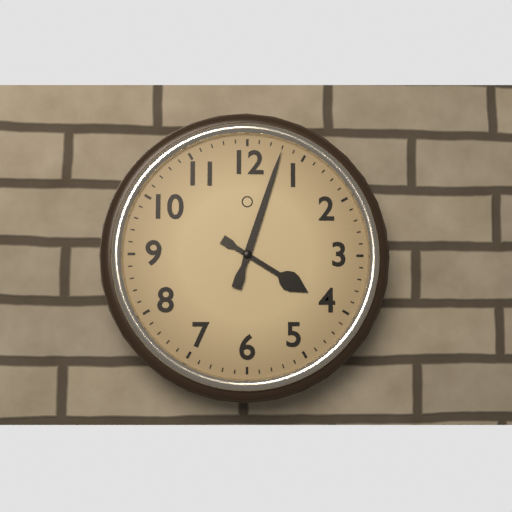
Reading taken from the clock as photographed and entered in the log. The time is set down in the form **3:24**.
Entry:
**4:03**
